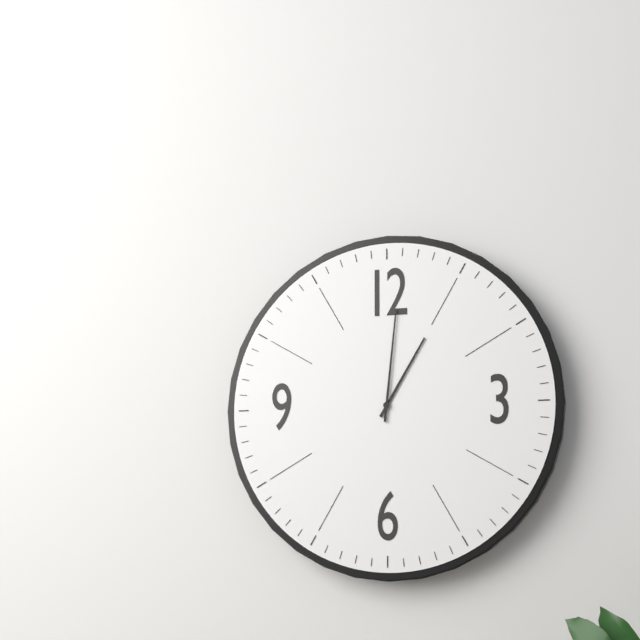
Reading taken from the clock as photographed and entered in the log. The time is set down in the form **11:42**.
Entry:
**1:01**
